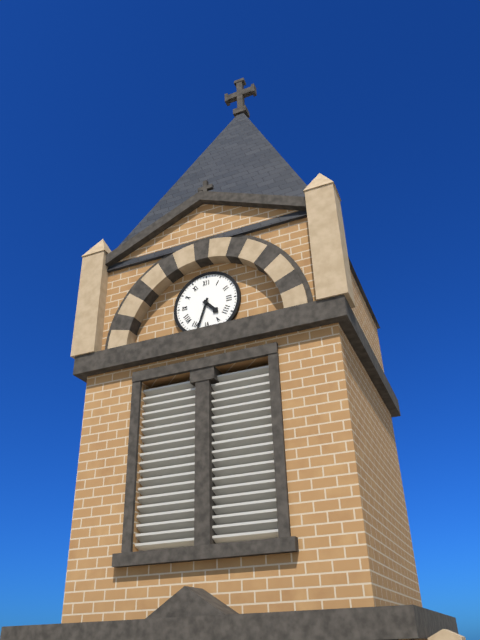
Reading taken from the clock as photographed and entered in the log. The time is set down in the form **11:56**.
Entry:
**4:33**
